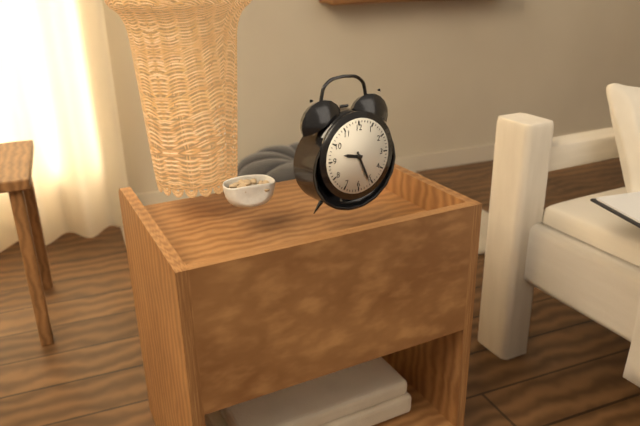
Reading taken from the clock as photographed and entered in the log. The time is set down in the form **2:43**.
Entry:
**9:26**
